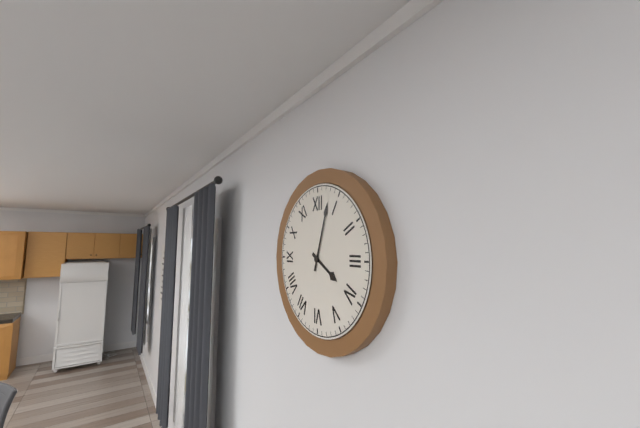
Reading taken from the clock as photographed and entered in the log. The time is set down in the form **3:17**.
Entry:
**4:03**
